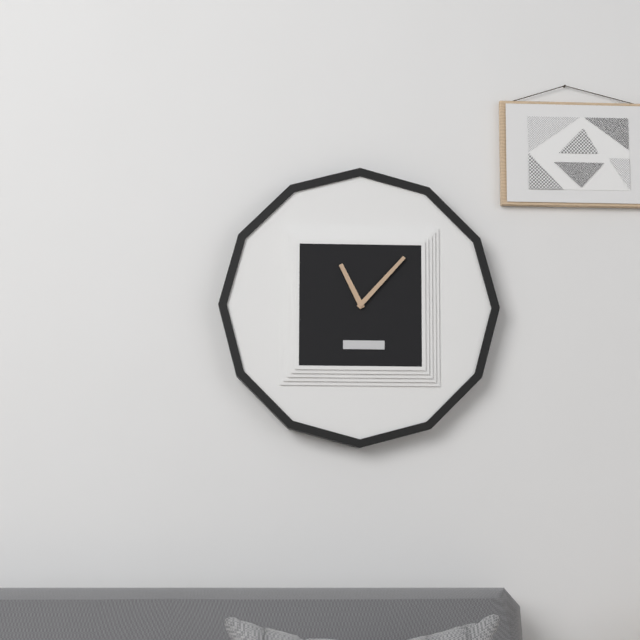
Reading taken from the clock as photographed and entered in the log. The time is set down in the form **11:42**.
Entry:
**11:07**
